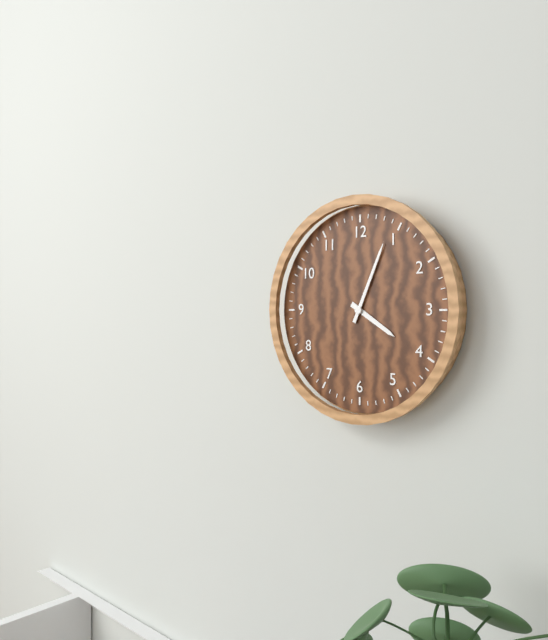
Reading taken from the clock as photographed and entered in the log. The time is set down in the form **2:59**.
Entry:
**4:04**
